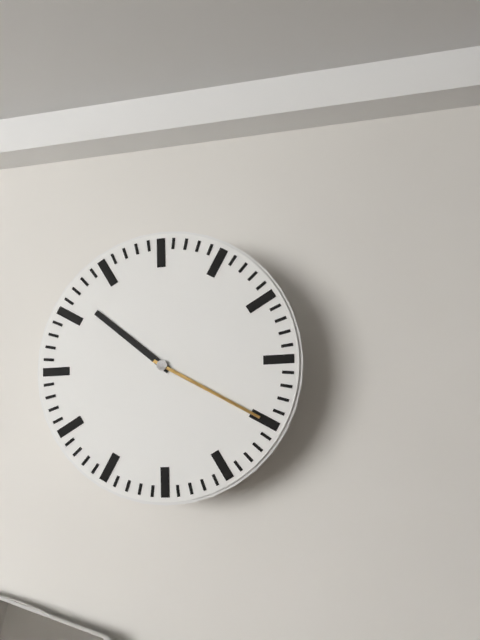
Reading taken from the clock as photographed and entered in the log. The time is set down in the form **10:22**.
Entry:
**10:20**
